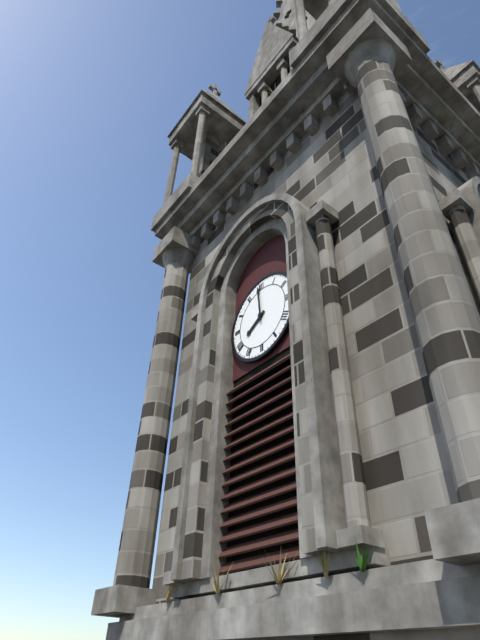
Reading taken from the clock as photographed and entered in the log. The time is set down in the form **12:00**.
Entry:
**7:59**
